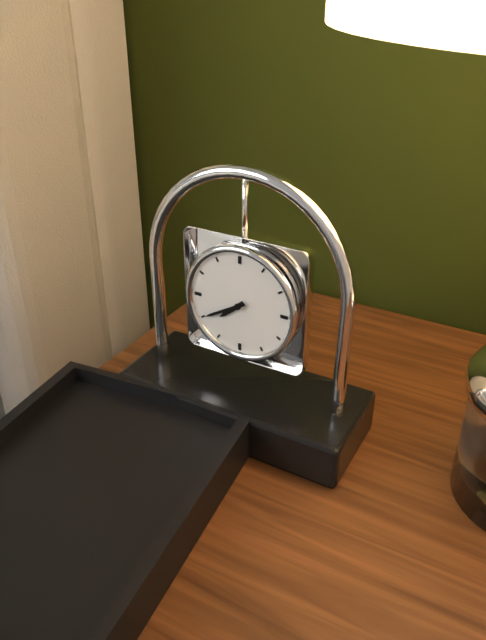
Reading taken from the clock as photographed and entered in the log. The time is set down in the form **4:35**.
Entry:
**7:40**
